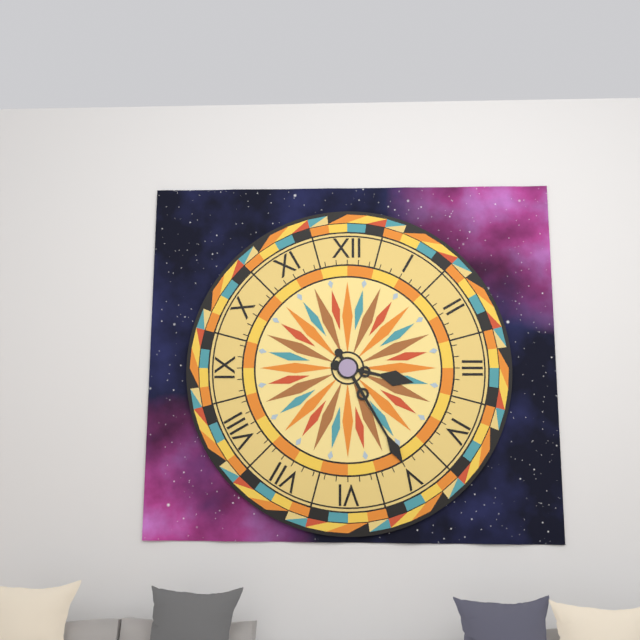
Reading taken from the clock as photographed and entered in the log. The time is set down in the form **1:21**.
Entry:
**3:25**
